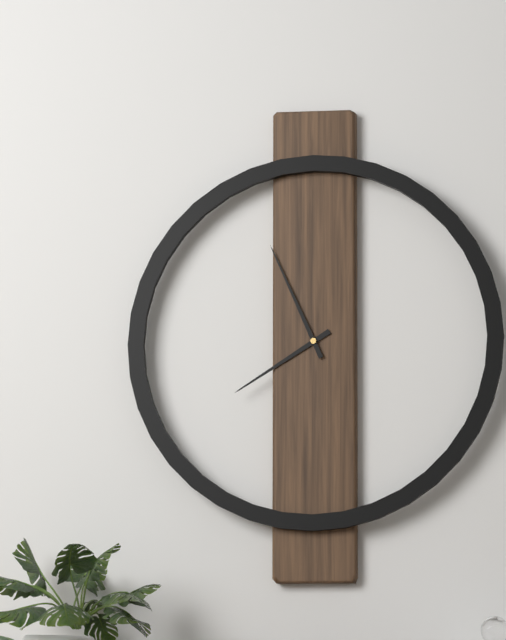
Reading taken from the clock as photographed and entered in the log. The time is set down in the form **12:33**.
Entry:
**7:56**
